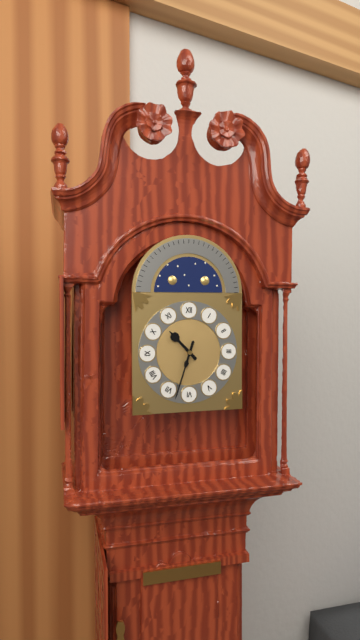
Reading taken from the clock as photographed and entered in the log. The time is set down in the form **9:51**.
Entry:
**10:33**
